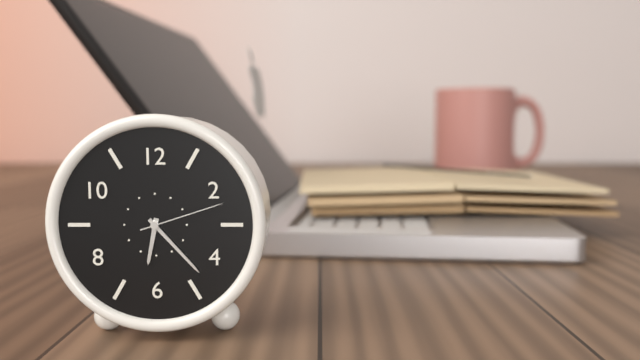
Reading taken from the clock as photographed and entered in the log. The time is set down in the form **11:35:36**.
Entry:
**6:23:12**
